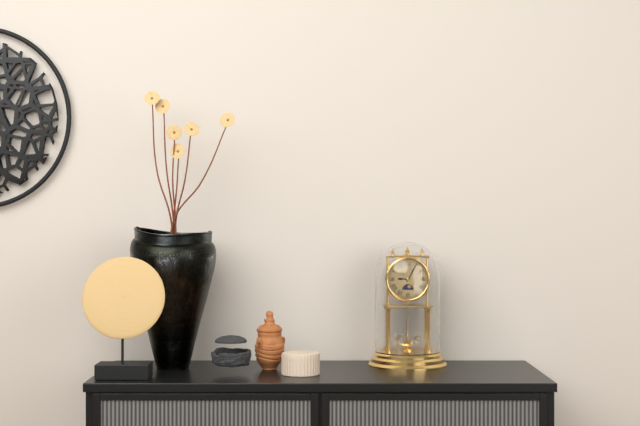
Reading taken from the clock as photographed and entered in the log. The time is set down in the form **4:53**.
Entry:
**9:05**
